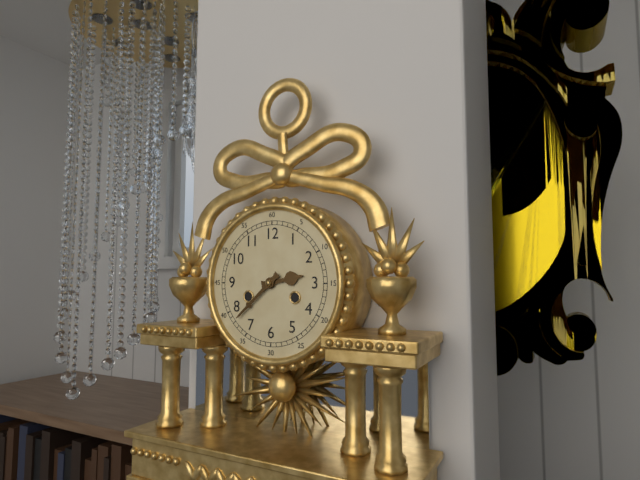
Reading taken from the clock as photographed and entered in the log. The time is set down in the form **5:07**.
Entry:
**2:38**
